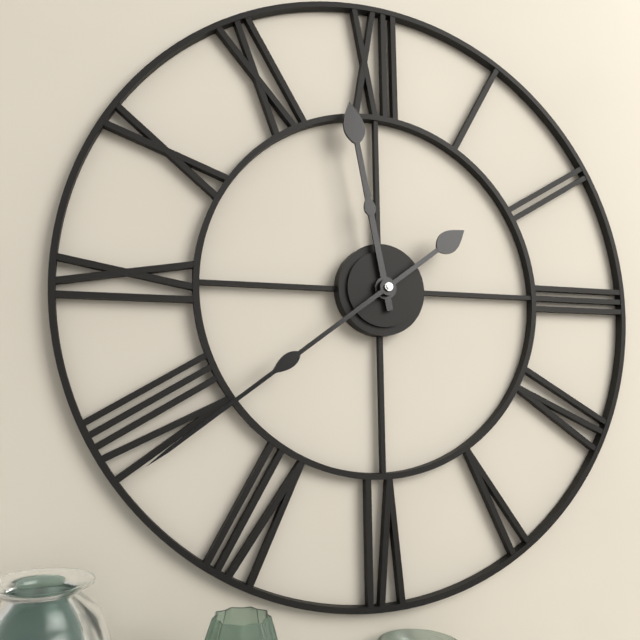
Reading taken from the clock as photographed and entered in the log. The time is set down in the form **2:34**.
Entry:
**11:39**
